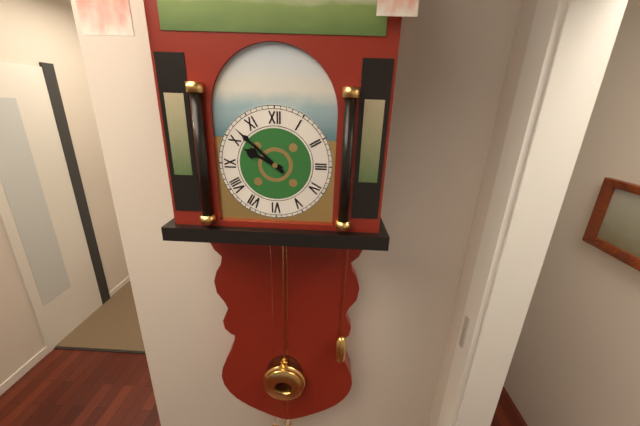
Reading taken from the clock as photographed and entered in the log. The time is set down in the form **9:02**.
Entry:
**9:52**
